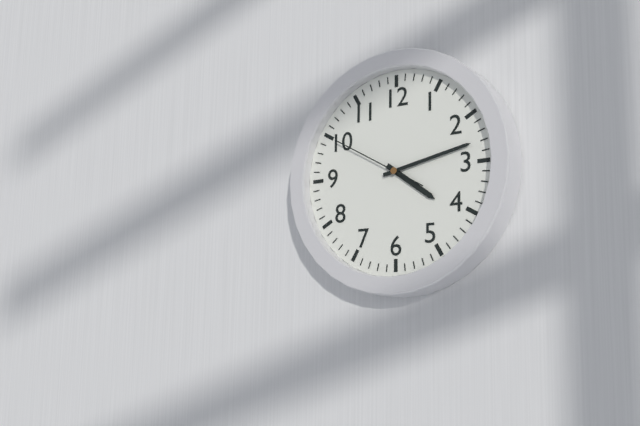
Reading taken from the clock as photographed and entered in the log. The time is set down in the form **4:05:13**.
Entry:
**4:13:50**
